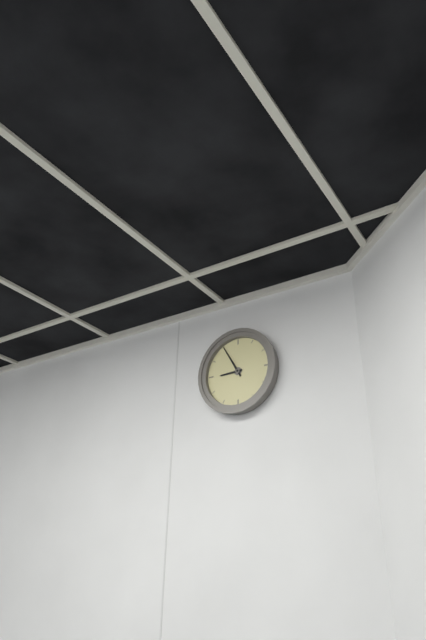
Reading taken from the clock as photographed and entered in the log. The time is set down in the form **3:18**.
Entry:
**8:55**
